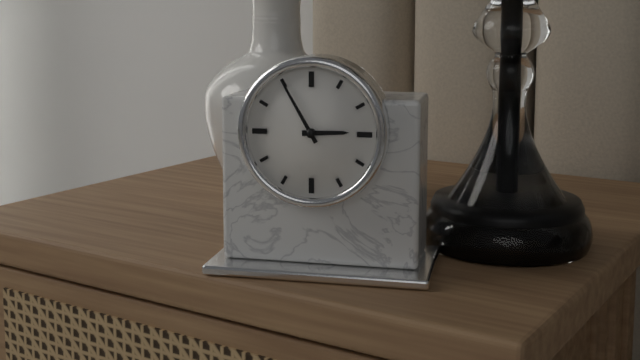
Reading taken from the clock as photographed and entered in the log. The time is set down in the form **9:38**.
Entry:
**2:55**
